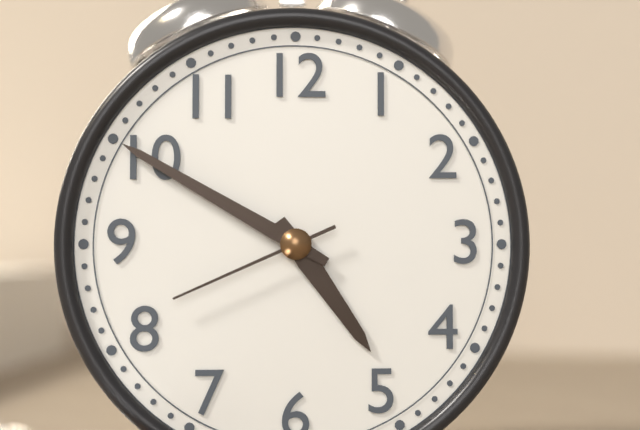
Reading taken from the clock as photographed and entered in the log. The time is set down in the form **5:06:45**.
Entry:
**4:50:41**
